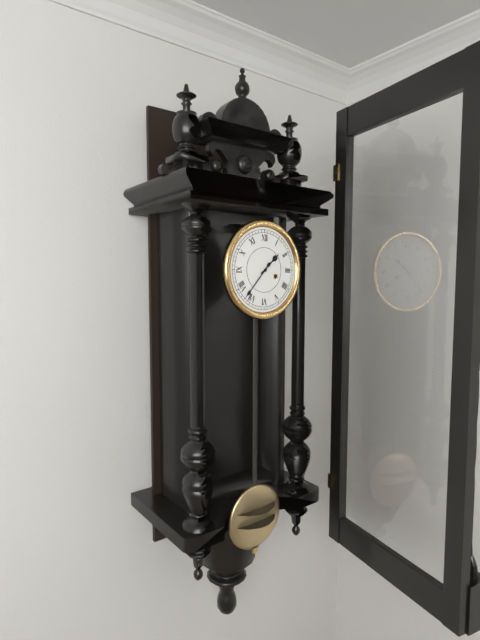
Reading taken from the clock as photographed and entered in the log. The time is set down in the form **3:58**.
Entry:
**1:37**
